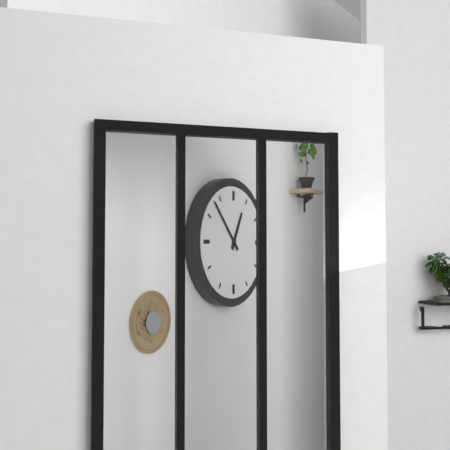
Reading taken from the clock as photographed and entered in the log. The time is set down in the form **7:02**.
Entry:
**12:53**
